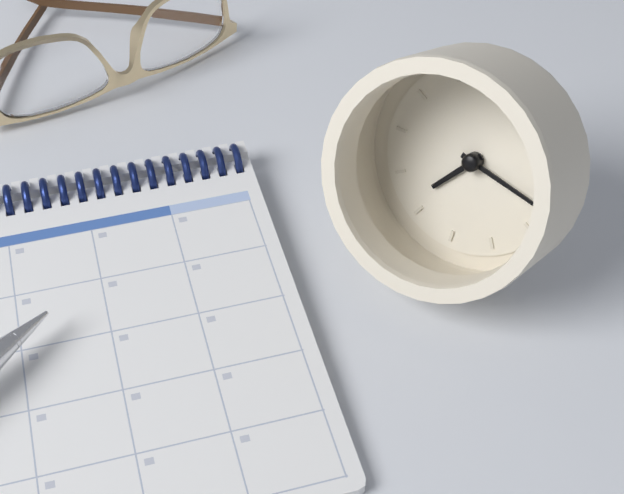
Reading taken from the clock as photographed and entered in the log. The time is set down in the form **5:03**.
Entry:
**7:17**
